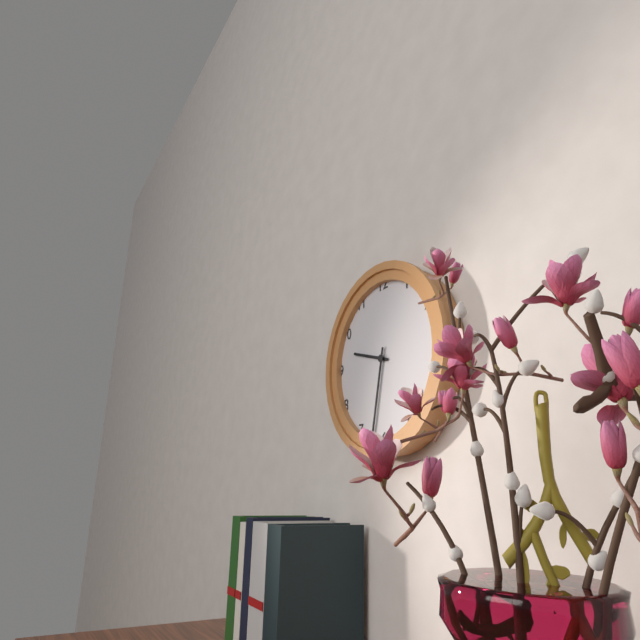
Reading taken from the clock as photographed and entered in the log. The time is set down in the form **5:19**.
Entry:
**9:32**
